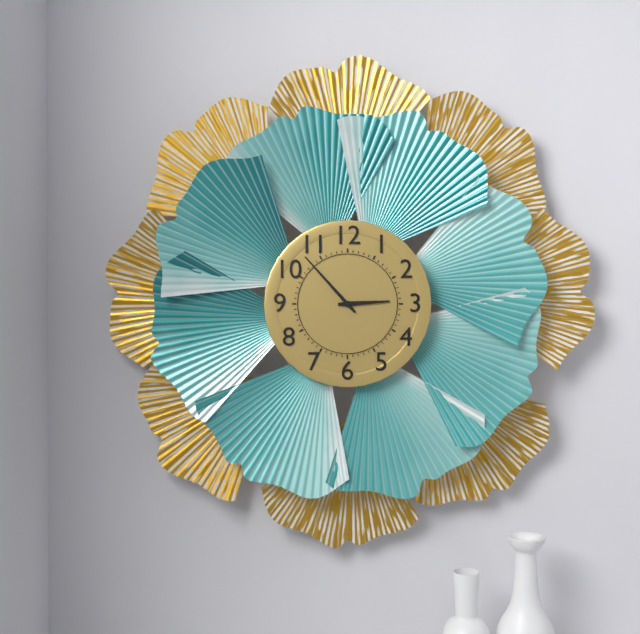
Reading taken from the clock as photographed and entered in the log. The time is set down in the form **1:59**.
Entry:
**2:53**
